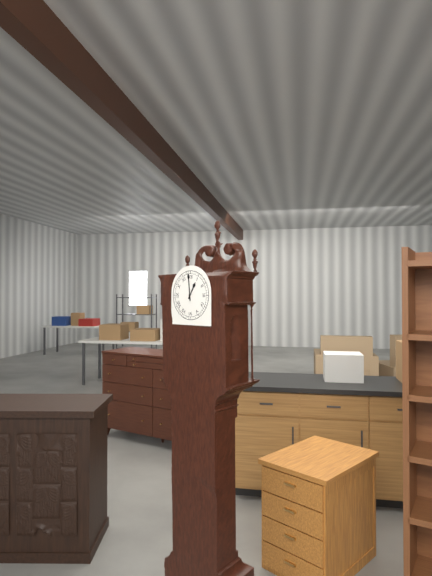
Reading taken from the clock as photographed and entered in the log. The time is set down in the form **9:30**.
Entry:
**12:59**
